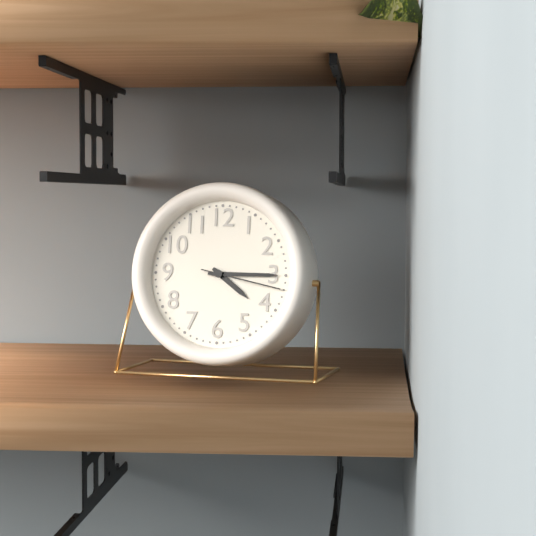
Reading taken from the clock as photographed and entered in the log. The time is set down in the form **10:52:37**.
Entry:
**4:15:17**
